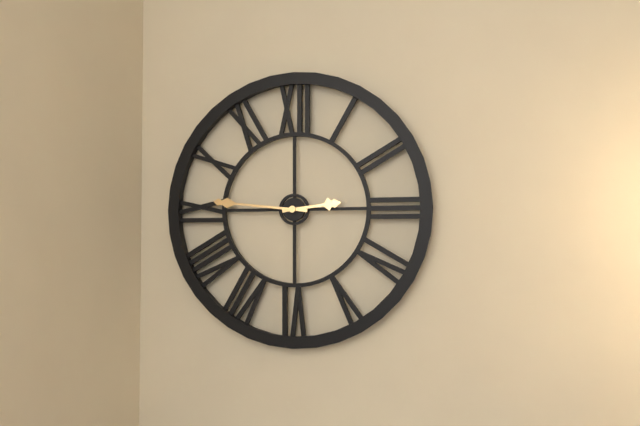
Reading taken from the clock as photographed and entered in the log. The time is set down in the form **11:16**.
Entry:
**2:46**
